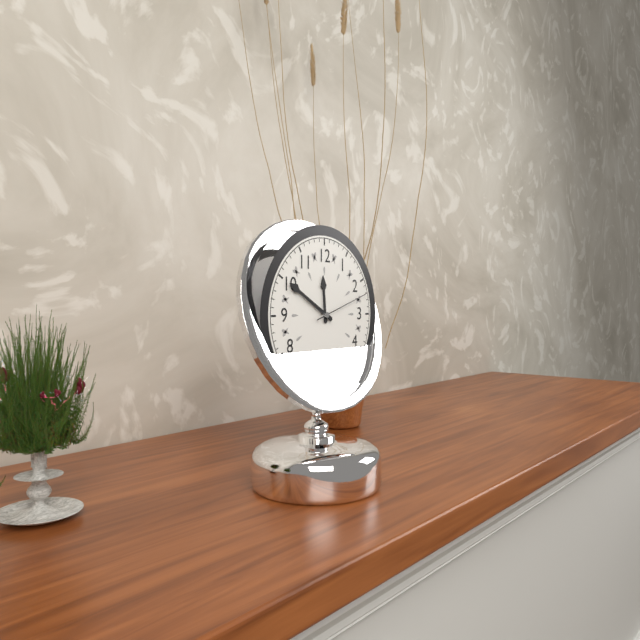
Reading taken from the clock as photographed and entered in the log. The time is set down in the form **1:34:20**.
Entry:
**11:50:12**
